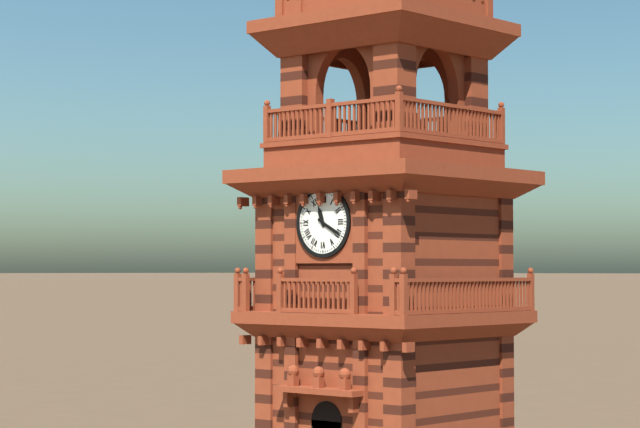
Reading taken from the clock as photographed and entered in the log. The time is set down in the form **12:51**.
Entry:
**11:20**
